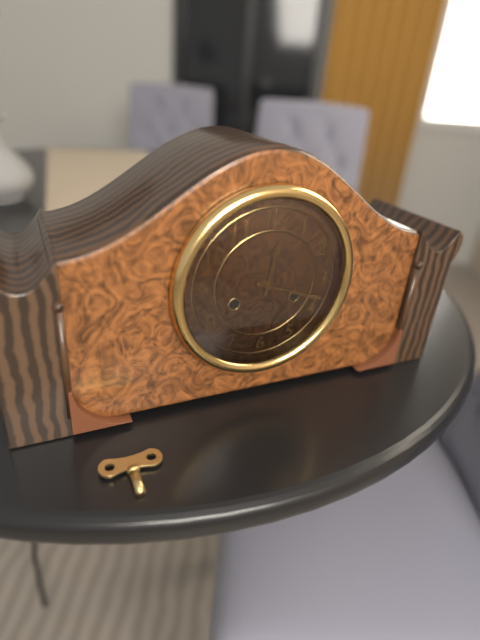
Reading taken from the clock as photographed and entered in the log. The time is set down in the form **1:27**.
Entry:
**12:18**
